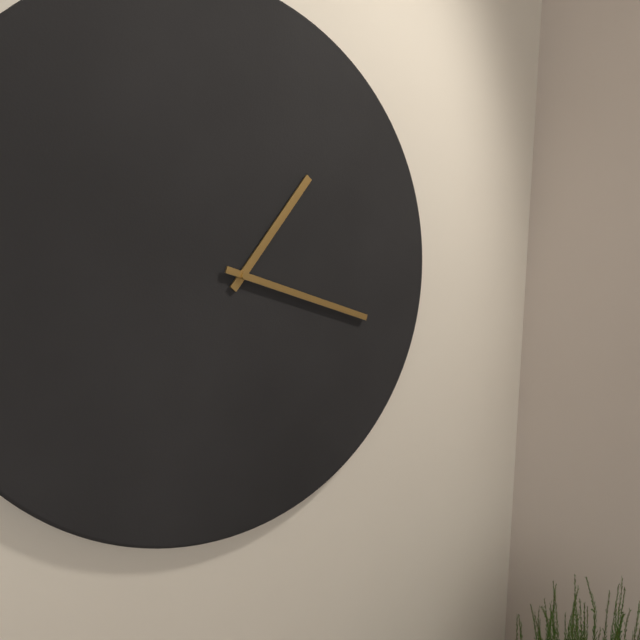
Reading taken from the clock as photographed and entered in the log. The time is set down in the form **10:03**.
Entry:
**1:18**
